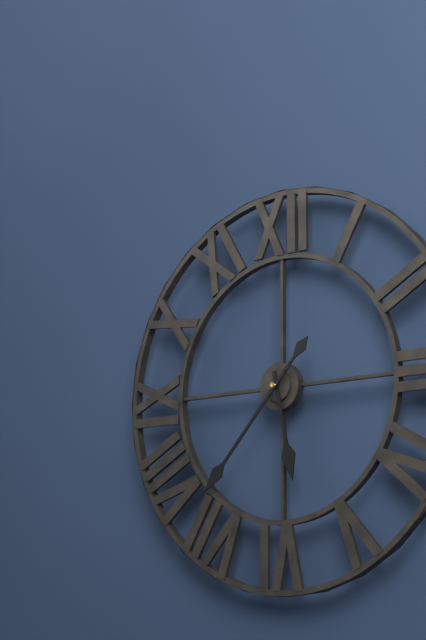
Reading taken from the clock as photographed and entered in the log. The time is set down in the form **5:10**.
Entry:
**5:37**
